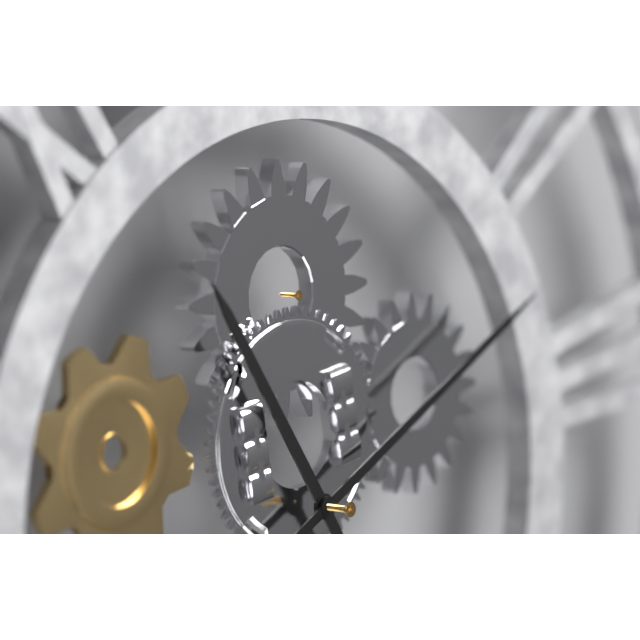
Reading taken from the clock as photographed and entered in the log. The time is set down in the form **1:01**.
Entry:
**11:12**
